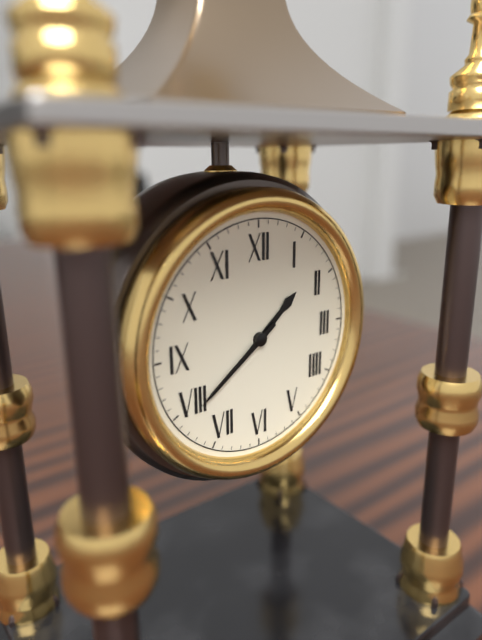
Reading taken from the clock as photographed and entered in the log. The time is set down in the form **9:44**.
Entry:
**1:39**
